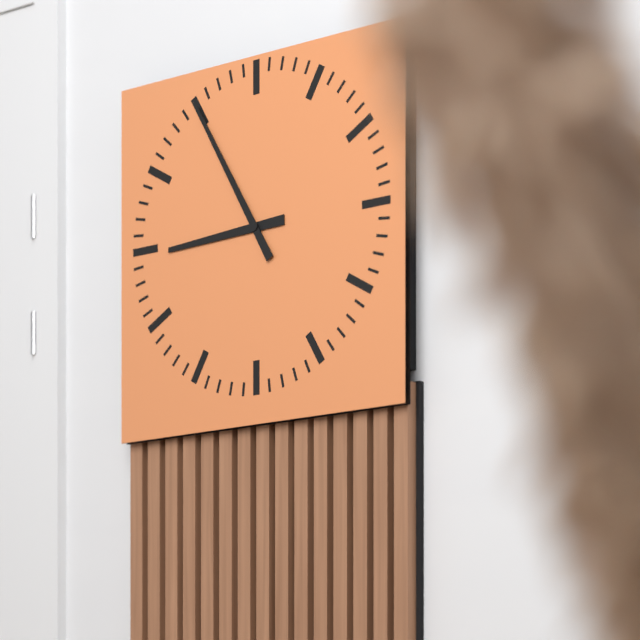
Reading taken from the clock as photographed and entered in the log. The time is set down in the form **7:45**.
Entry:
**8:55**
